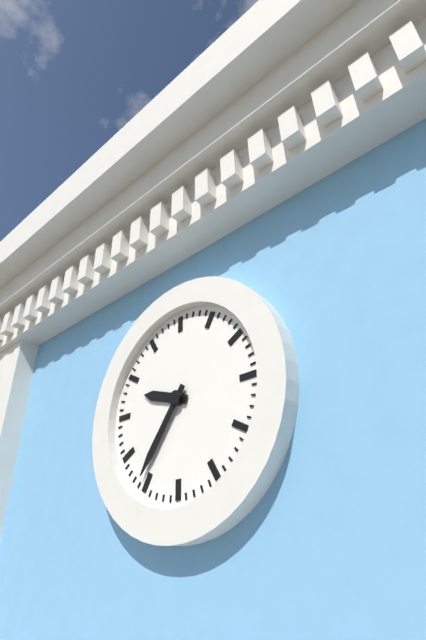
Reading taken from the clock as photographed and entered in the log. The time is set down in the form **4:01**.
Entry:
**9:36**
